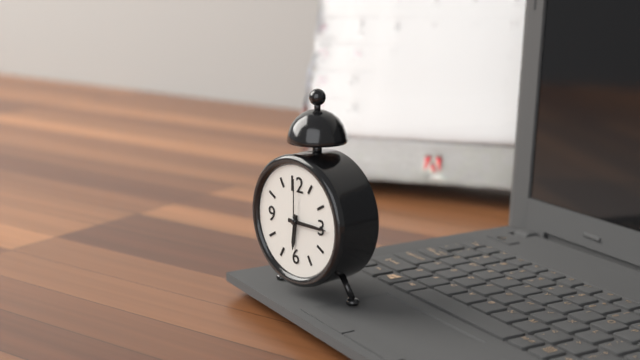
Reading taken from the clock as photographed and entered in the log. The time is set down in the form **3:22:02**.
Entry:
**6:15:00**
